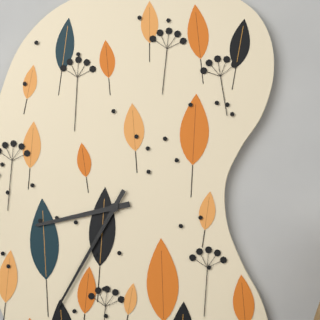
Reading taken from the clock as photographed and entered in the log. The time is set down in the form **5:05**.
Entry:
**8:35**
